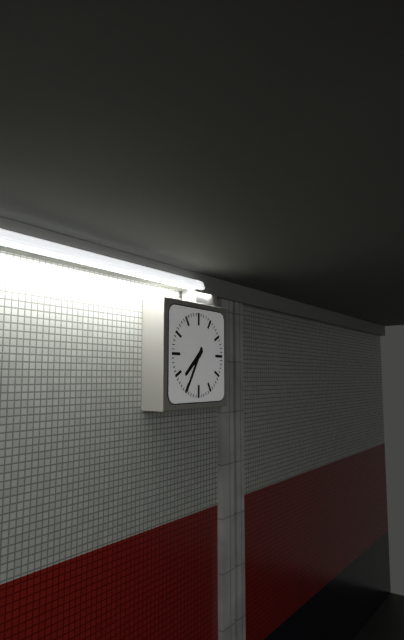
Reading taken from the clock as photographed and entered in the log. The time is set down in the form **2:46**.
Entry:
**7:35**
